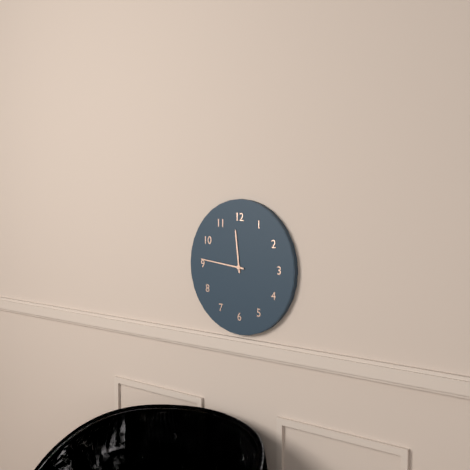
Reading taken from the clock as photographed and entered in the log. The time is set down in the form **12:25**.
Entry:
**11:46**
